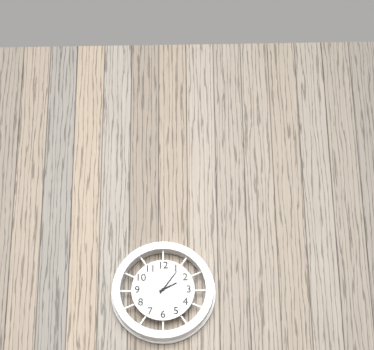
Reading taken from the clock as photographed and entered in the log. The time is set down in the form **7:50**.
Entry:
**2:06**
